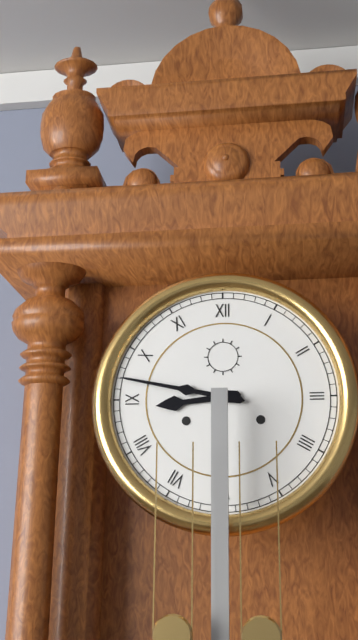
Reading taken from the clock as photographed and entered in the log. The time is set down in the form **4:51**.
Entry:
**8:47**
